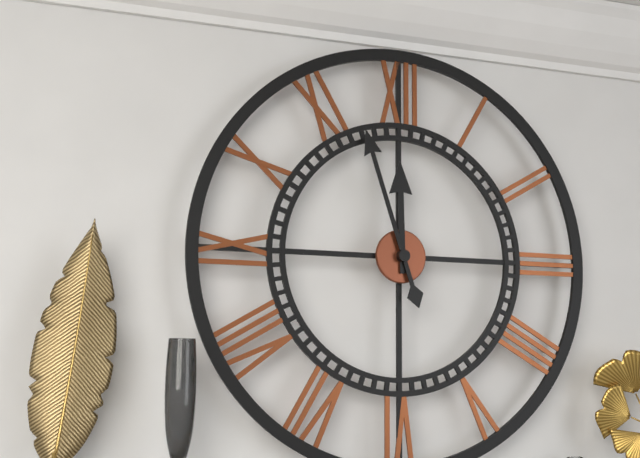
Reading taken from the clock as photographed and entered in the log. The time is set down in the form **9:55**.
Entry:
**11:57**
